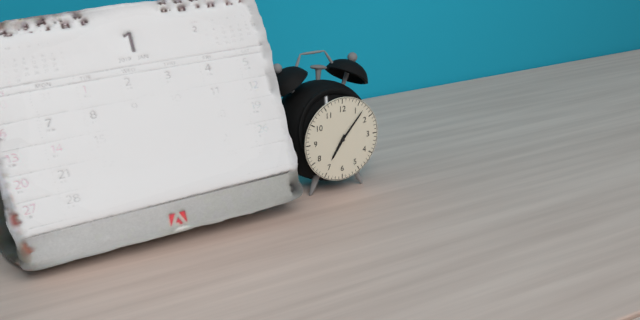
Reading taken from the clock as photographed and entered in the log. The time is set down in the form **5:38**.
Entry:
**7:07**
